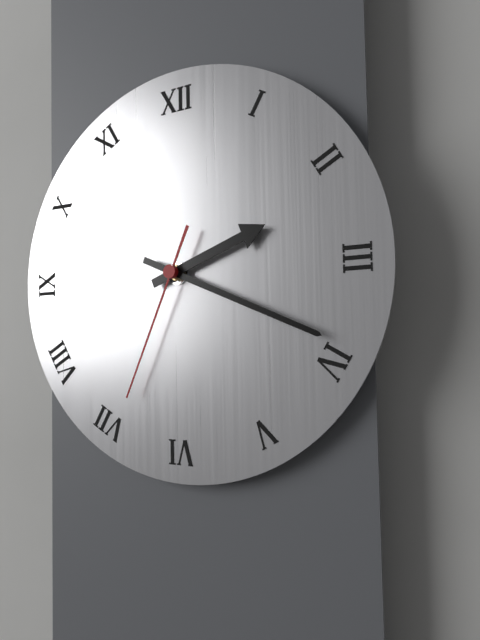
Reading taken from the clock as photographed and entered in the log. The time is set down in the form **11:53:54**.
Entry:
**2:19:34**
